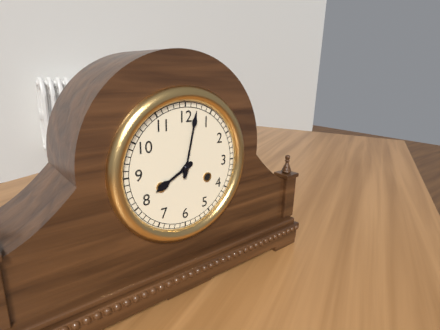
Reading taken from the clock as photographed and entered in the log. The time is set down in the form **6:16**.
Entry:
**8:02**
